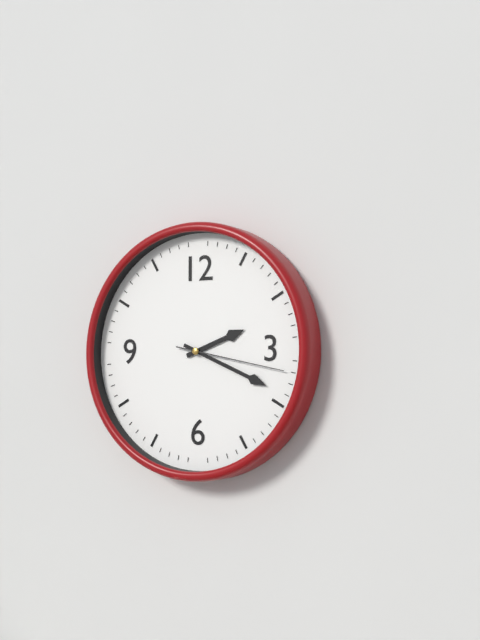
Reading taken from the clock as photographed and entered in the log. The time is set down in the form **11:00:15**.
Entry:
**2:19:17**
